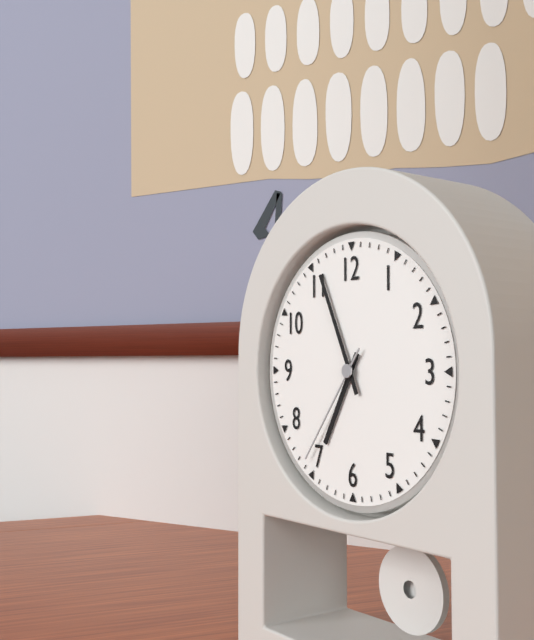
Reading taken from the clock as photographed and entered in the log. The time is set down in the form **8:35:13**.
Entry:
**6:56:36**
